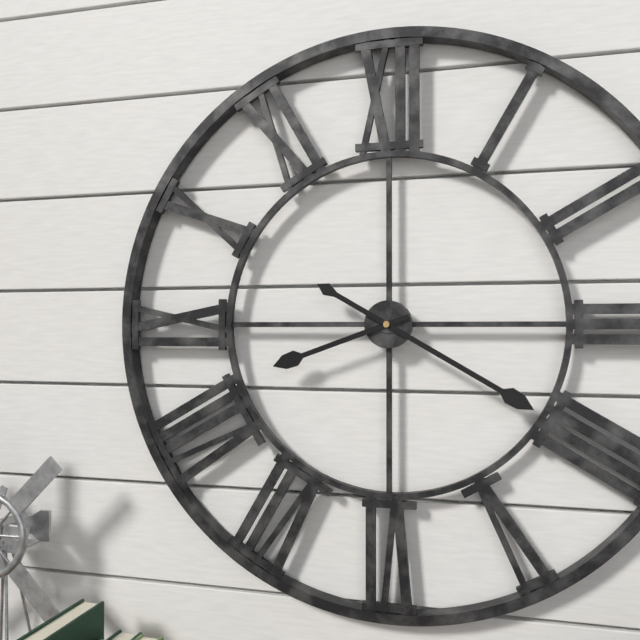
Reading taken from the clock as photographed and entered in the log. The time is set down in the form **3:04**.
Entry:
**8:20**
